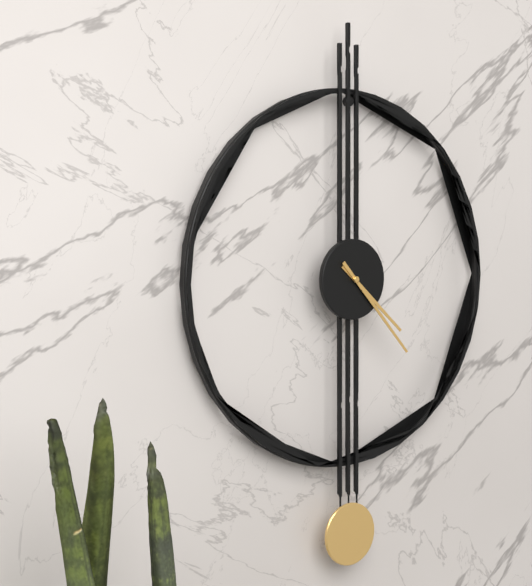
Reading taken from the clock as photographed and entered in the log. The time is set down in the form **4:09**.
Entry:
**4:23**
